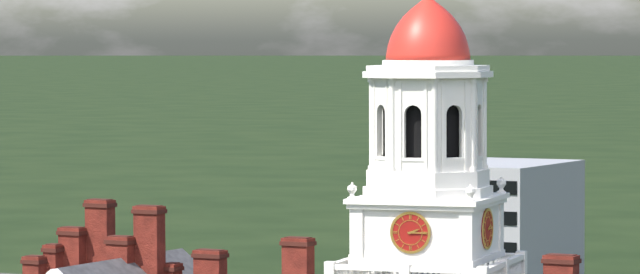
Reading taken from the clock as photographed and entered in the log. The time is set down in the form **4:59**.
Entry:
**2:15**
